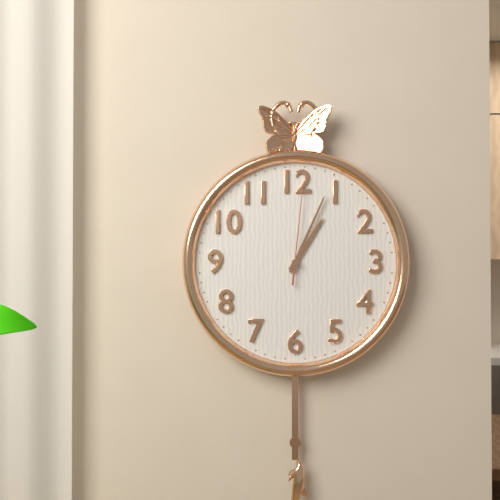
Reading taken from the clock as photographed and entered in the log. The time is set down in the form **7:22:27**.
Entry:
**1:04:01**
